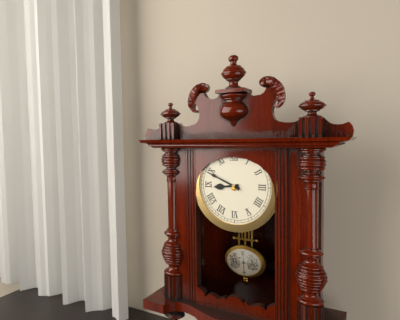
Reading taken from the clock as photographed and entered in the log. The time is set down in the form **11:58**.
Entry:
**8:49**
